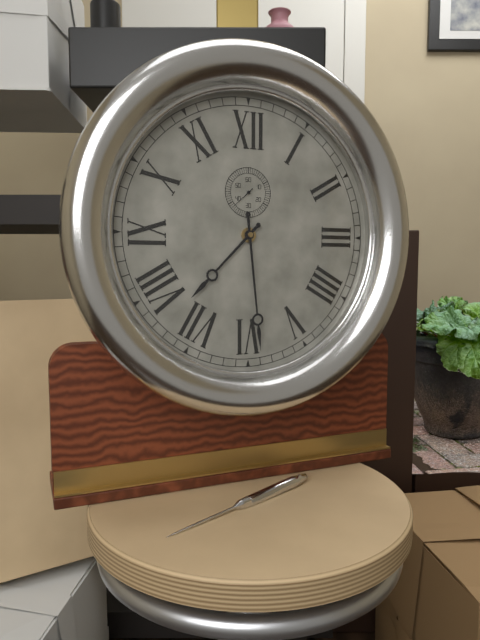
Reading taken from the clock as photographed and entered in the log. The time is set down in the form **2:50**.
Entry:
**7:29**
